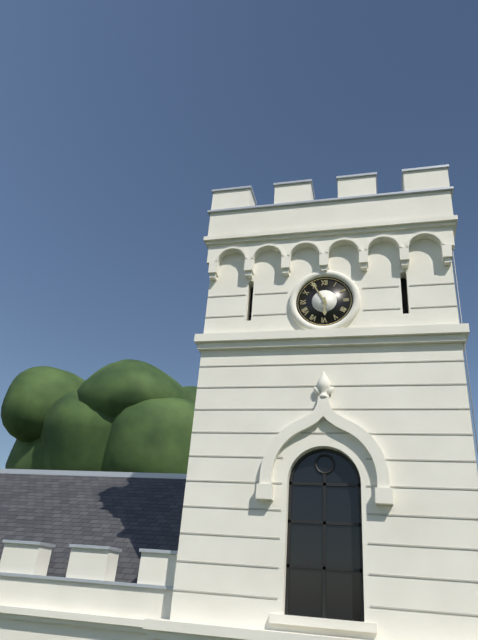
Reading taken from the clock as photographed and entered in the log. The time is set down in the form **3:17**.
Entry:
**5:55**
